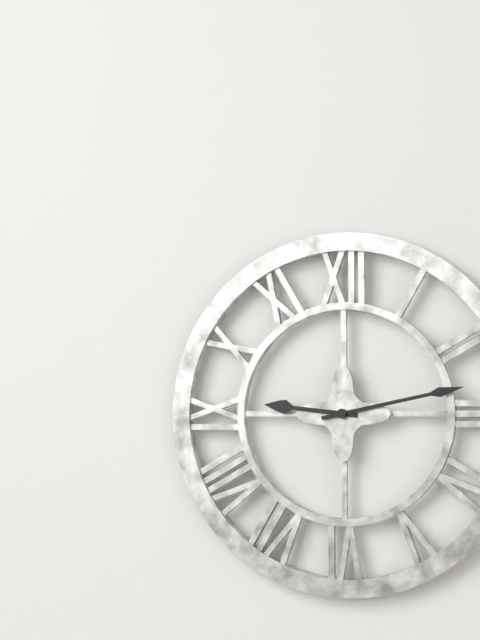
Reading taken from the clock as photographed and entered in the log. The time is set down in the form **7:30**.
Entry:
**9:13**
